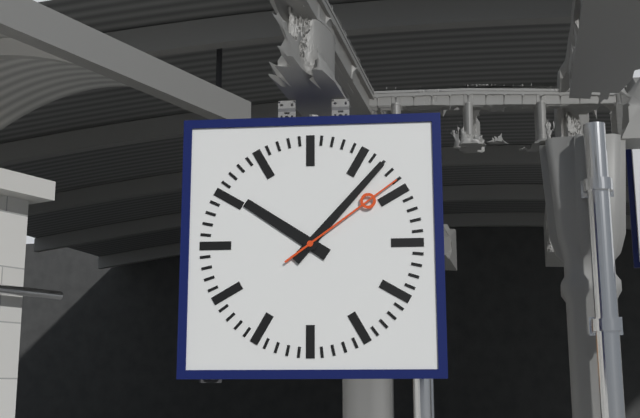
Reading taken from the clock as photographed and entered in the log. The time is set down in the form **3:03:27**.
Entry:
**10:07:09**
